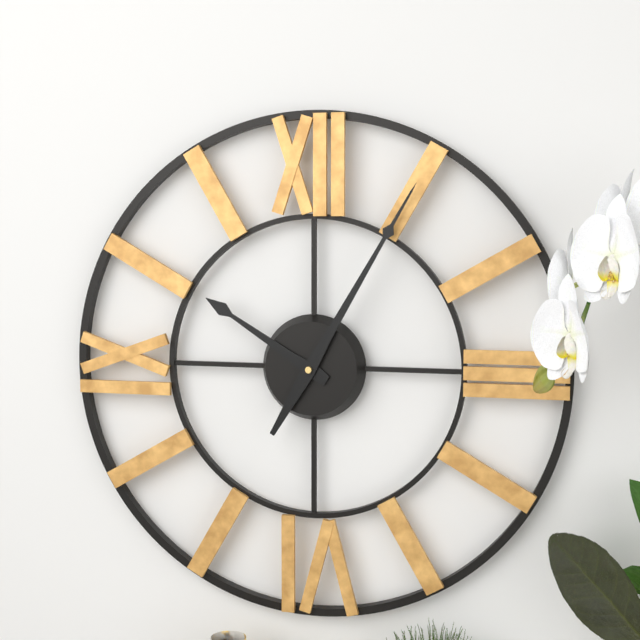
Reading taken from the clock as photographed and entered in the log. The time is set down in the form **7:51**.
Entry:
**10:05**
